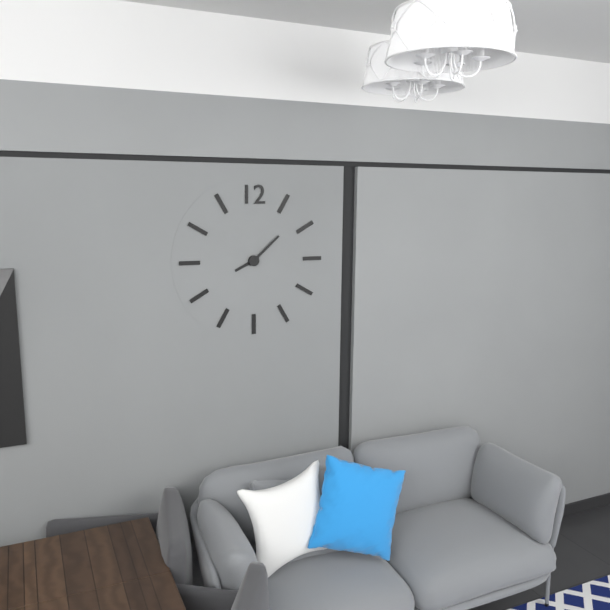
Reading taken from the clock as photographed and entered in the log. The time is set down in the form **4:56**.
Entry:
**8:08**
